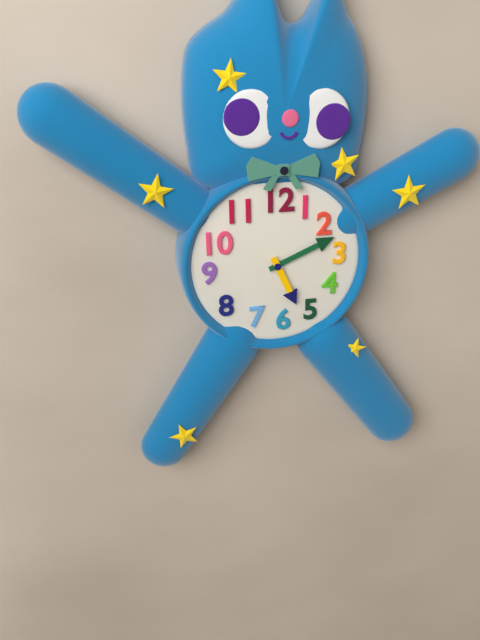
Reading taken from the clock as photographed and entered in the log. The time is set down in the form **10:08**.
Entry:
**5:11**
